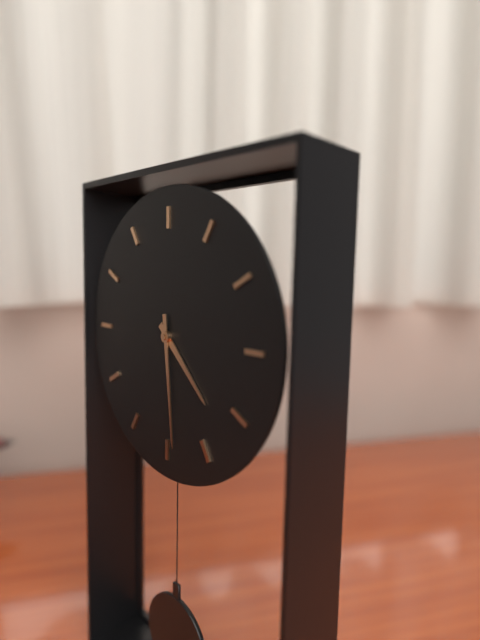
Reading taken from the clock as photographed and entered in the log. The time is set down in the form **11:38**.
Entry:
**4:29**
